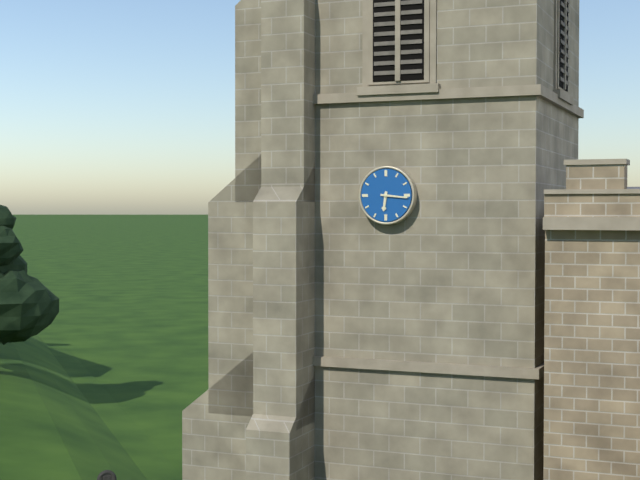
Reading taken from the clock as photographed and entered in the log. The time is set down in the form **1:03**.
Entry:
**6:16**
